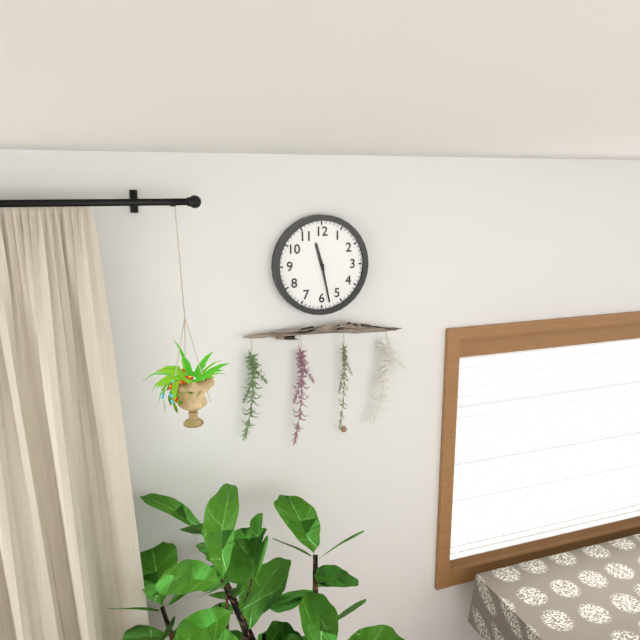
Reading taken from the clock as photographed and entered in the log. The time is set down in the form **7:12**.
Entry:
**11:28**
